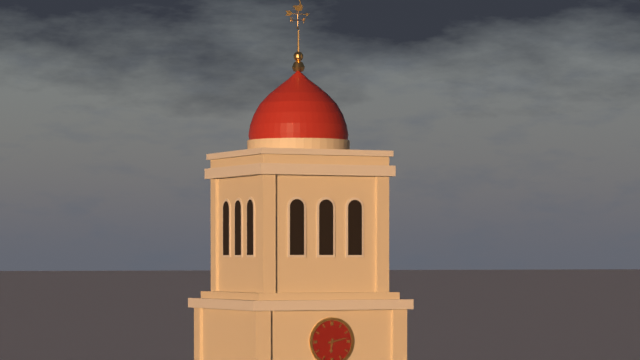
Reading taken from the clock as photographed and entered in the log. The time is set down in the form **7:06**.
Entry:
**6:13**
